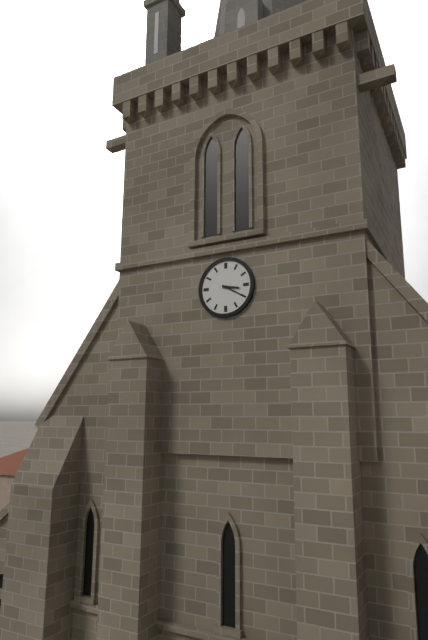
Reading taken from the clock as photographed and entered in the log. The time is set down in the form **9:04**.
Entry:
**3:20**
